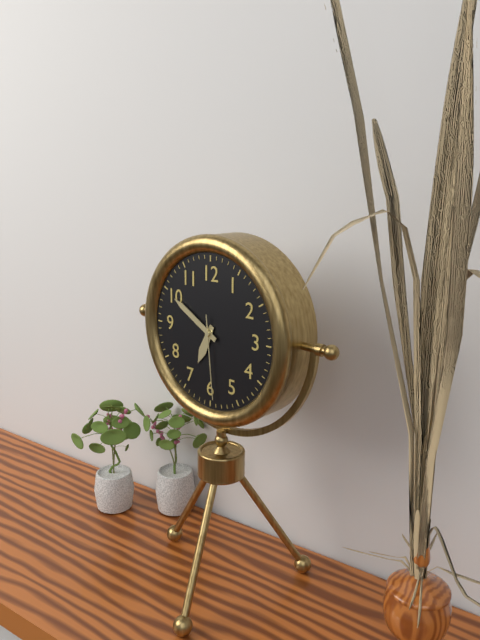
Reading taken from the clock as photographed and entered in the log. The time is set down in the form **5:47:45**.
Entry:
**6:50:29**
